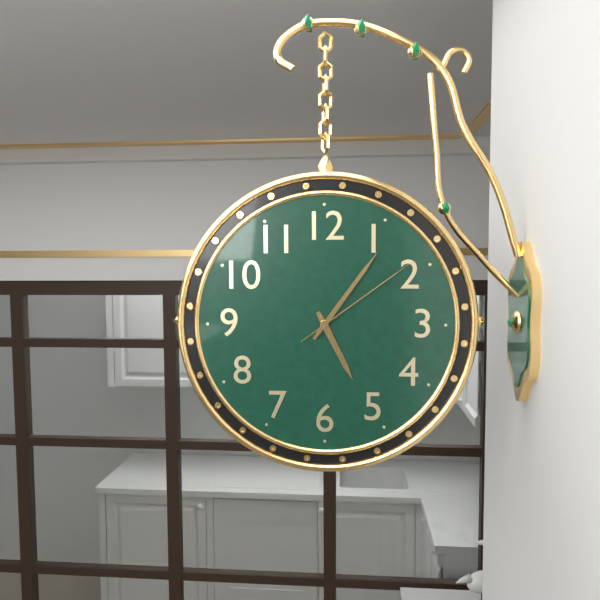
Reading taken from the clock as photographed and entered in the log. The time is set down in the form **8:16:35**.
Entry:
**5:06:09**
